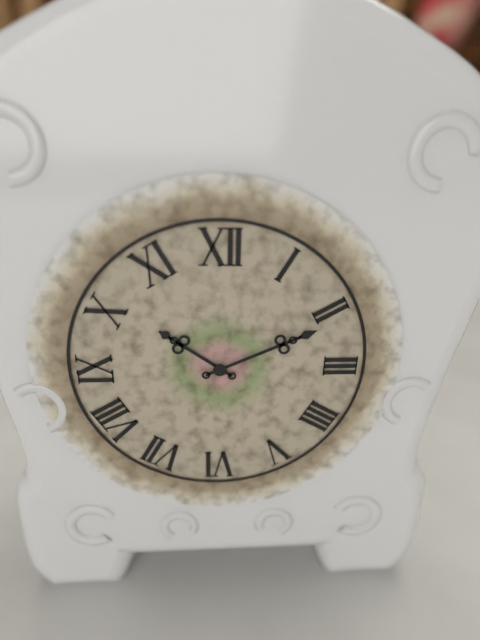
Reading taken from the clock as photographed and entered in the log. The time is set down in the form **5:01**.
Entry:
**10:11**
